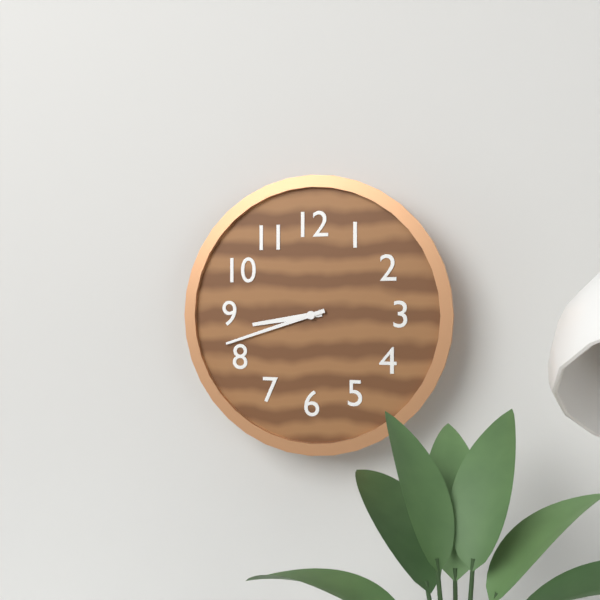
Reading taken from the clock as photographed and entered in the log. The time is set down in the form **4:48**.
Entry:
**8:42**
